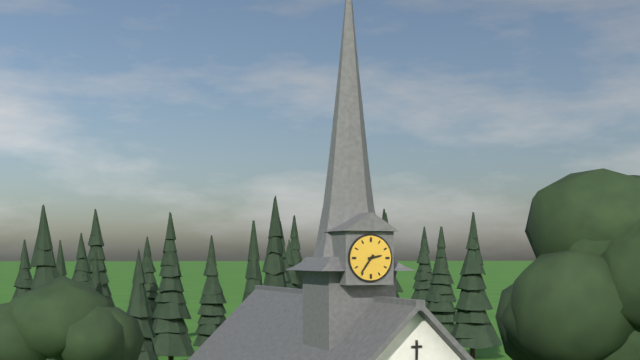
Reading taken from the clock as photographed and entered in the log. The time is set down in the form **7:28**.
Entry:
**2:36**
